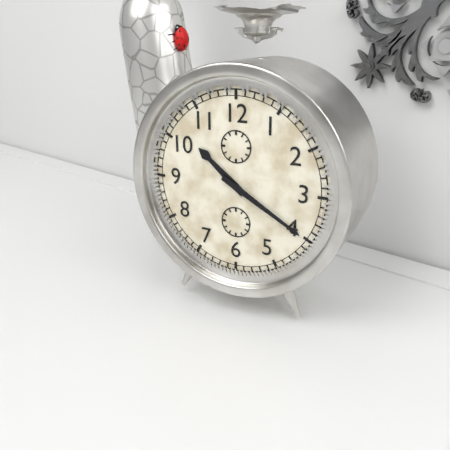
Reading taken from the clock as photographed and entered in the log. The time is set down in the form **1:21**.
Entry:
**10:20**
